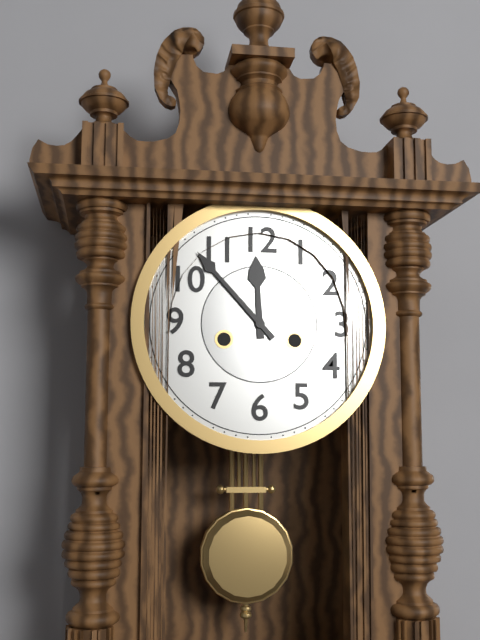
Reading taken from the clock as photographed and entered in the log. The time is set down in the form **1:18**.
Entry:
**11:53**
